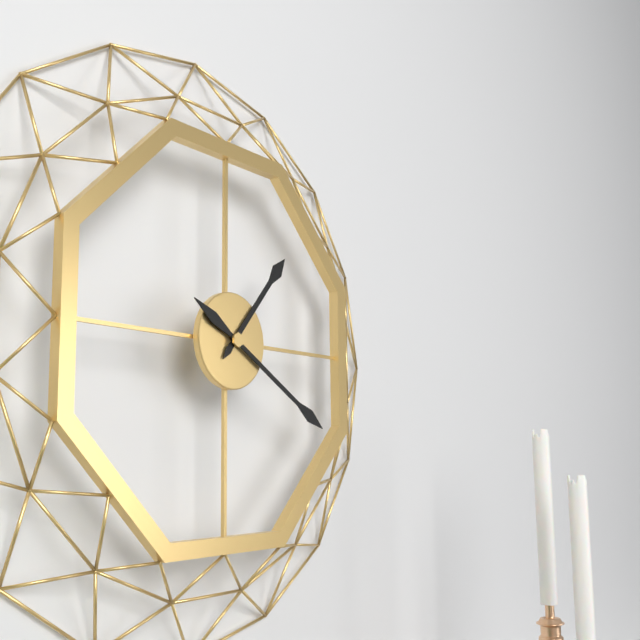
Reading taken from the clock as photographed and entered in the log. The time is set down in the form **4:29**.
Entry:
**1:20**
